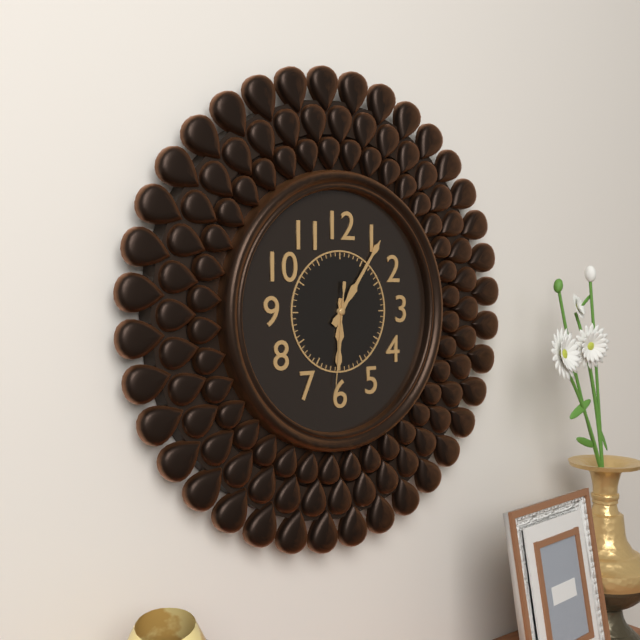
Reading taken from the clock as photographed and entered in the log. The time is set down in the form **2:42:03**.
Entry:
**6:06:31**
